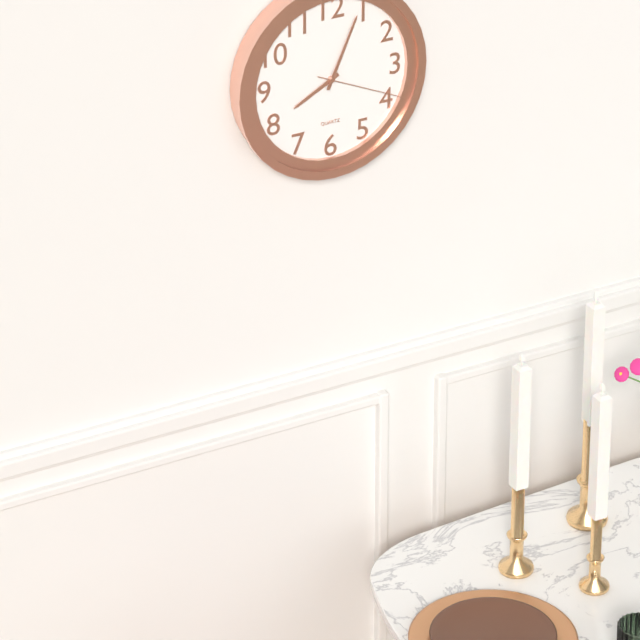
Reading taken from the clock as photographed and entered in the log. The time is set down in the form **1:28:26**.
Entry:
**8:04:19**
